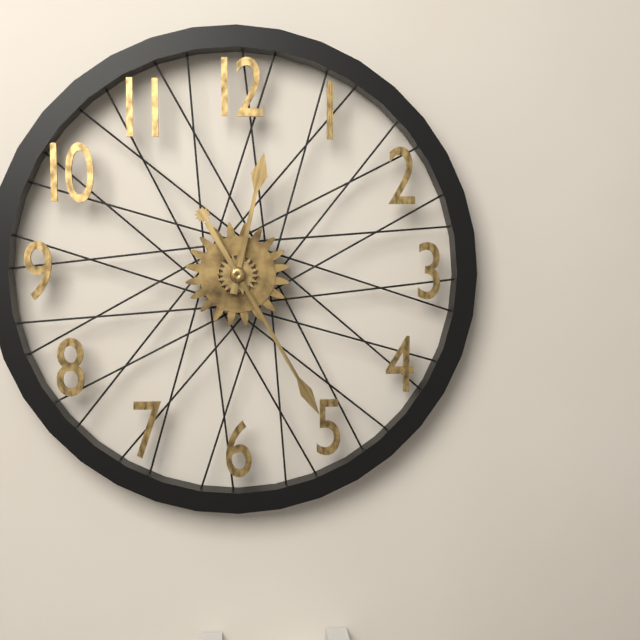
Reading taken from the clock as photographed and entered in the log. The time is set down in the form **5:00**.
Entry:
**12:25**
